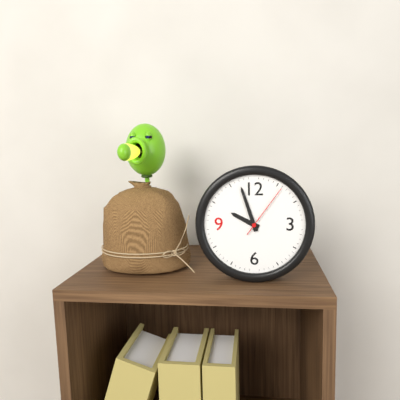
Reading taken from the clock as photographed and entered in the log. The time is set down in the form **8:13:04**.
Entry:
**9:57:06**
